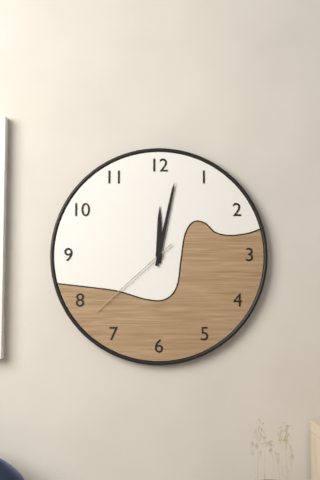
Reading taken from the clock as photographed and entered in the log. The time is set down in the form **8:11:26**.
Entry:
**12:02:38**
